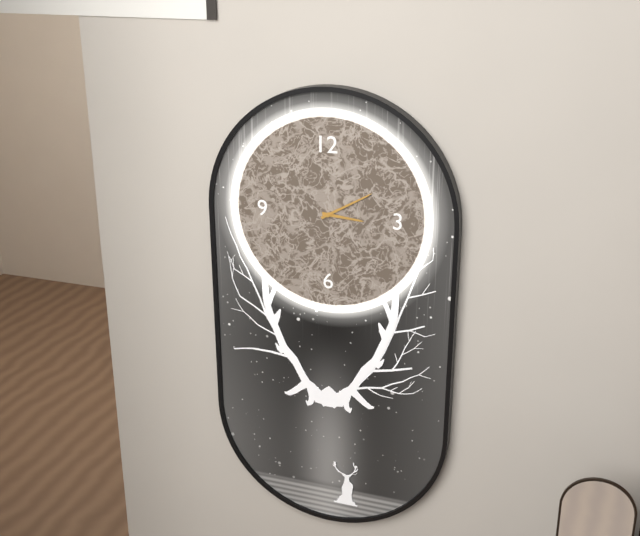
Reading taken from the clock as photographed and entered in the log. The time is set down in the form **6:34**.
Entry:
**3:10**
